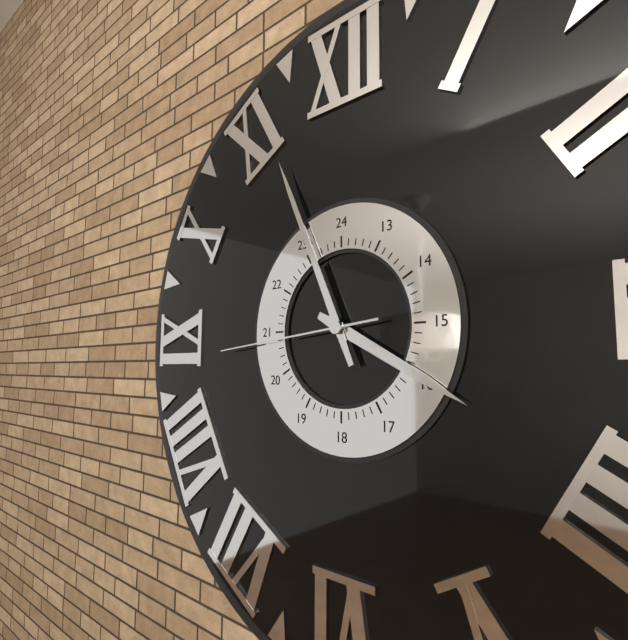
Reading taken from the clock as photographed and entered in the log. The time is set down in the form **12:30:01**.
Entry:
**3:56:44**
